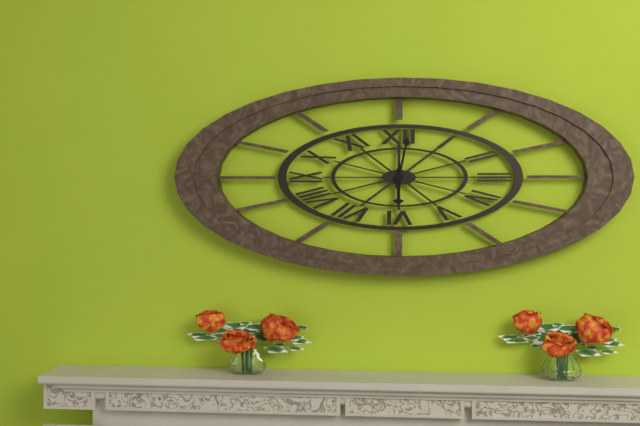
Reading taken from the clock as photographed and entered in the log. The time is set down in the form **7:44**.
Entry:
**6:02**
